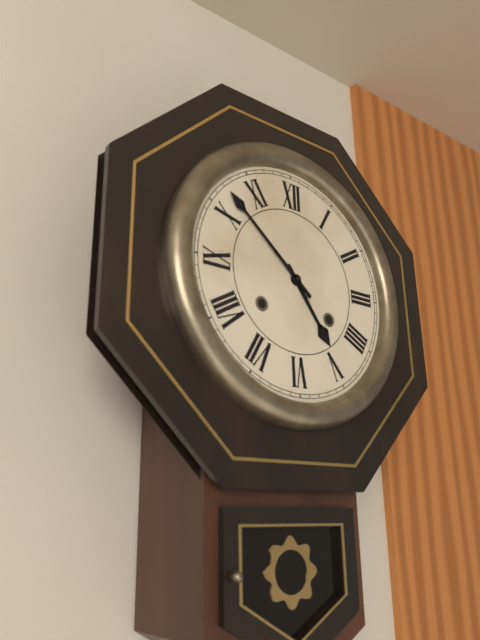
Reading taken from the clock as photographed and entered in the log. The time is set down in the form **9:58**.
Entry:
**4:52**
